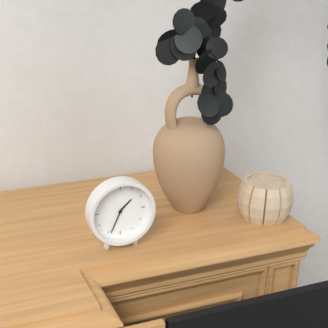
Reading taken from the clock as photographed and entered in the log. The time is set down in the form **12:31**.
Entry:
**1:34**
